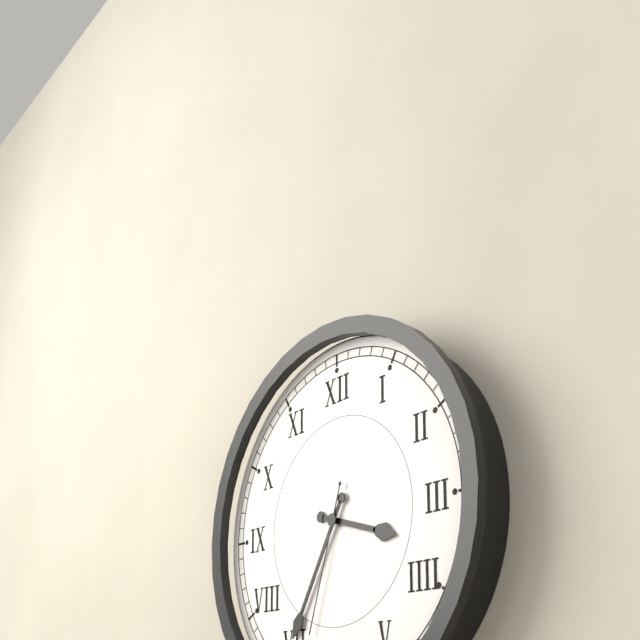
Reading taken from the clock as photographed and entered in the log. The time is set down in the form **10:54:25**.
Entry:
**3:35:33**
